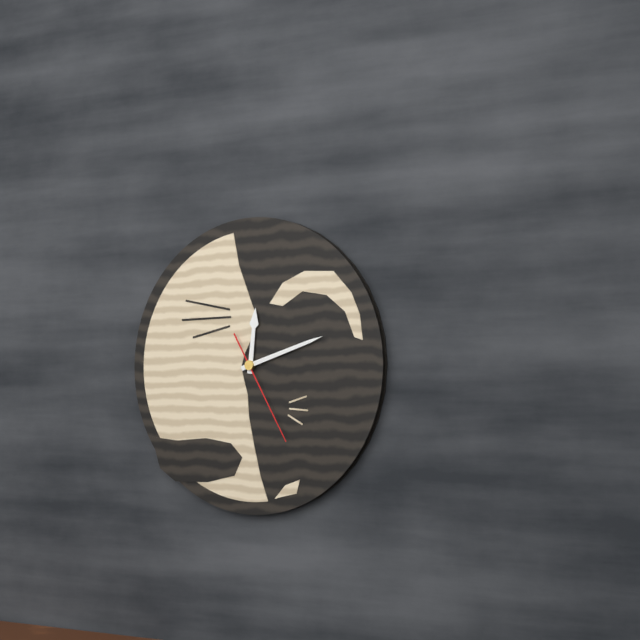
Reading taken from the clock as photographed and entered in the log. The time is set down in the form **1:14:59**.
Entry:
**12:12:25**
